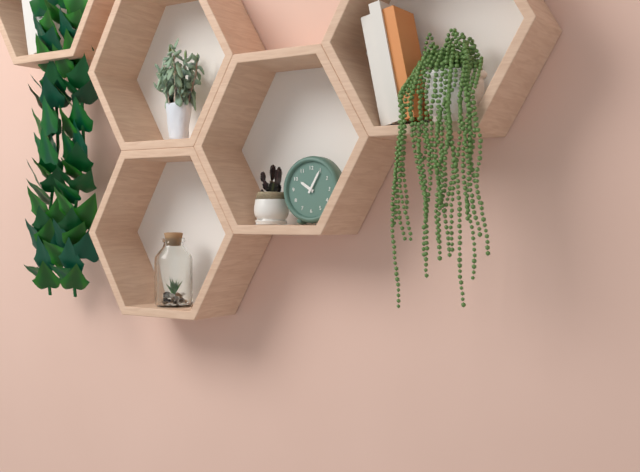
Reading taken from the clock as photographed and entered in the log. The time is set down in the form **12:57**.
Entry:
**10:05**
